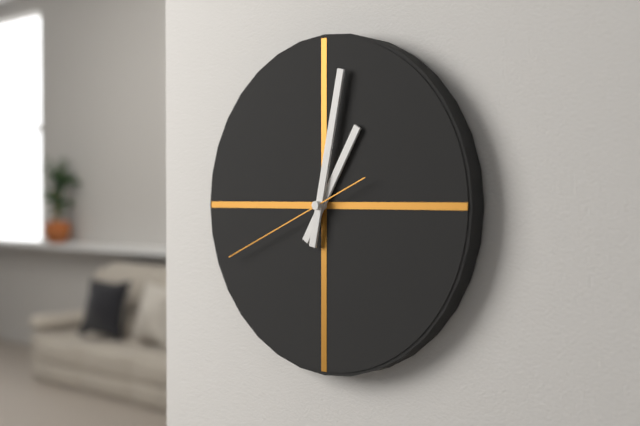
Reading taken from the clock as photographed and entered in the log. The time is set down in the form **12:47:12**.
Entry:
**1:02:41**
